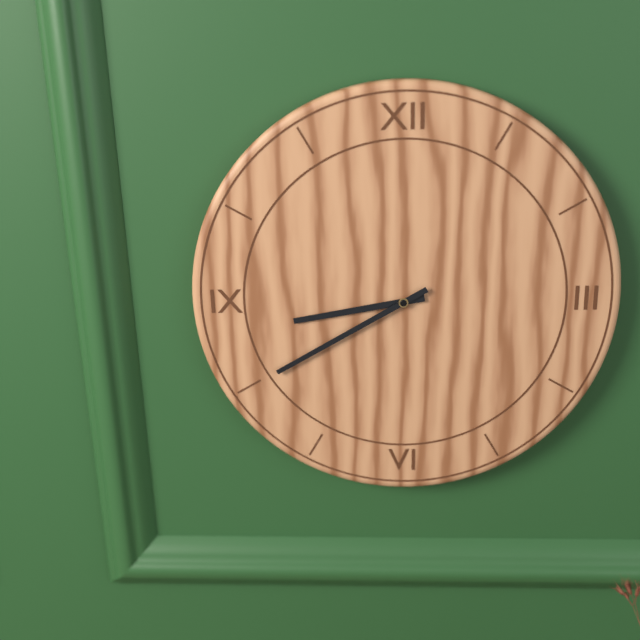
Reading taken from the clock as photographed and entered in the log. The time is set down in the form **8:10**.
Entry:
**8:40**
